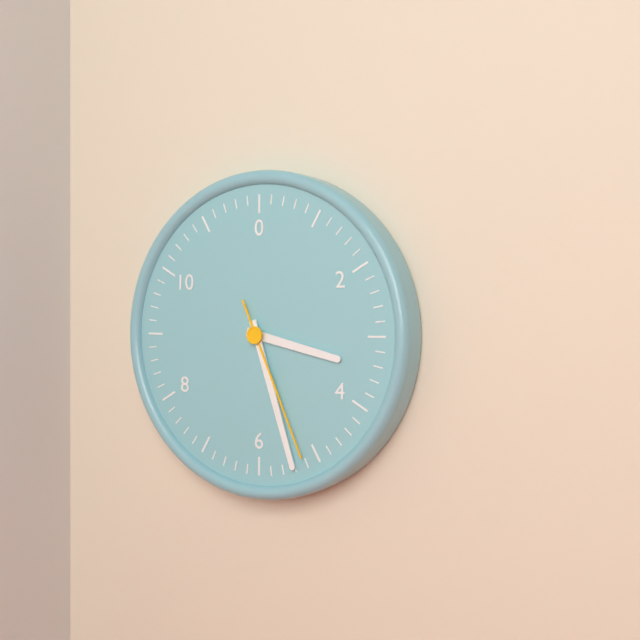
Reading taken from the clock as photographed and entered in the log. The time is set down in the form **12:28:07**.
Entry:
**3:27:26**
